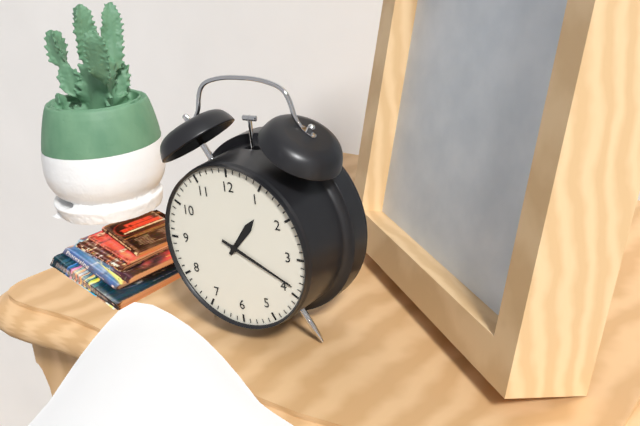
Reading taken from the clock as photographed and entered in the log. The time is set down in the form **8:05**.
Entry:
**1:19**
